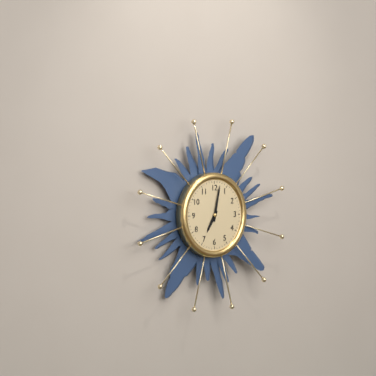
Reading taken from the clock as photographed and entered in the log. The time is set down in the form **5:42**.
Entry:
**7:02**
